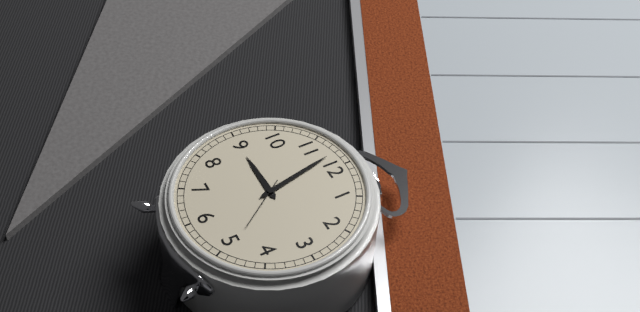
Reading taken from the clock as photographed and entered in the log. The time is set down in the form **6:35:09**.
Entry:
**8:58:24**
